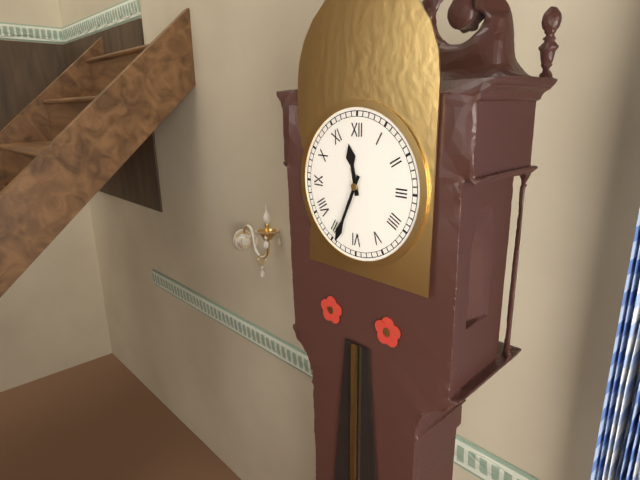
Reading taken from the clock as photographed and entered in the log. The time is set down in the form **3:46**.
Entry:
**11:34**
